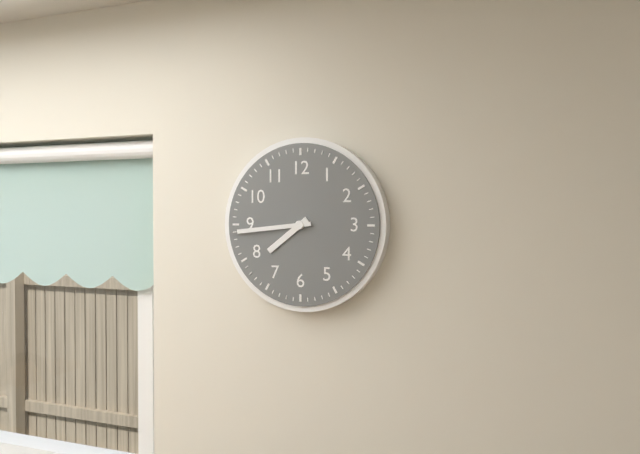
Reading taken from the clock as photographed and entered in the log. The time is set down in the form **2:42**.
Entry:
**7:44**
